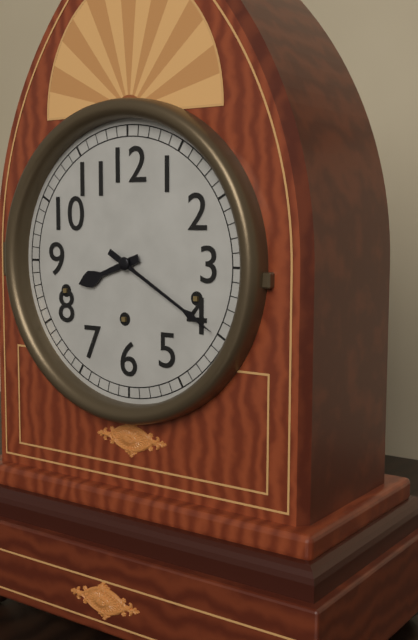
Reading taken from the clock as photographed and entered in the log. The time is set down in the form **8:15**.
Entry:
**8:20**
